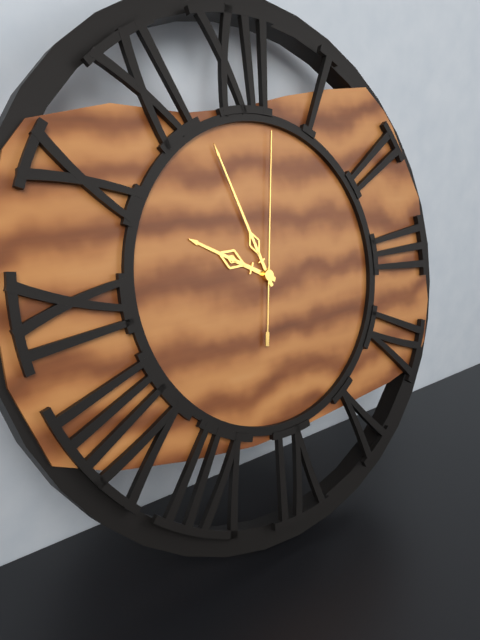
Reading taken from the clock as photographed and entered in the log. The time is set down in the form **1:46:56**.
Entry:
**9:57:02**
